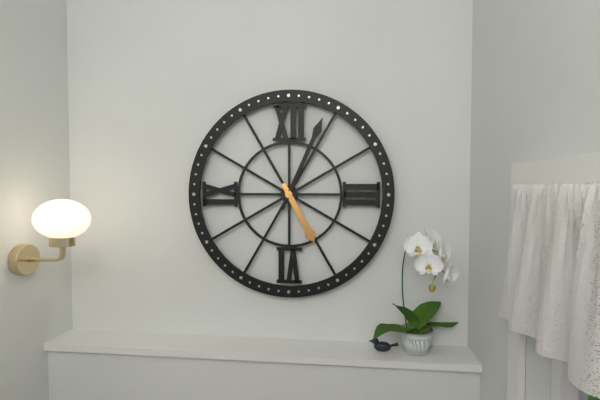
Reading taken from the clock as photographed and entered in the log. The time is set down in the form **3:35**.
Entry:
**5:04**
